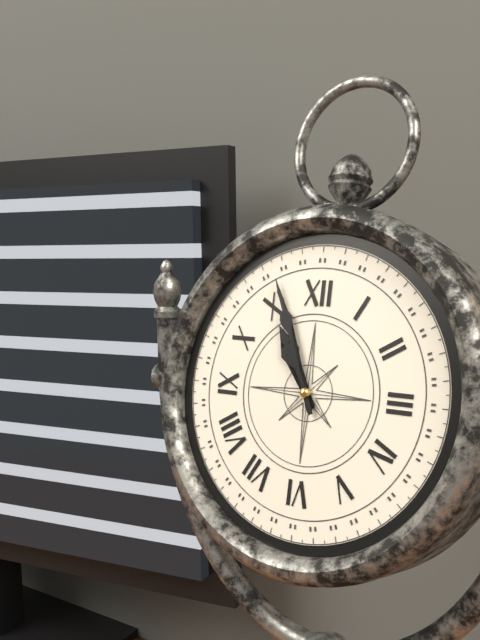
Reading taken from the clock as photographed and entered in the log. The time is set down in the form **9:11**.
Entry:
**10:56**
